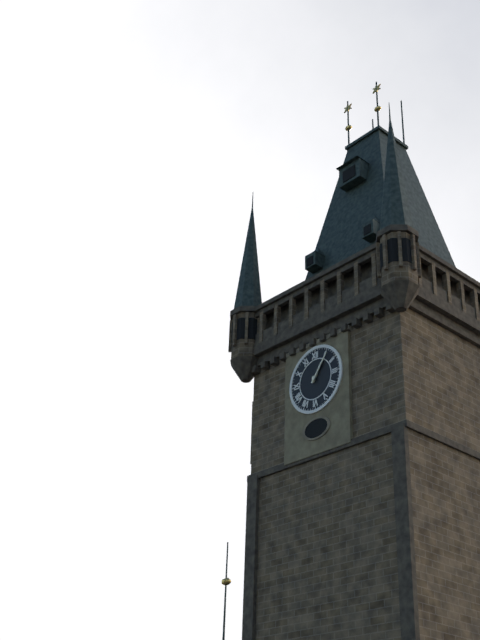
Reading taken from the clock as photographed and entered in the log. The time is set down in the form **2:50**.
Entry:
**1:06**
